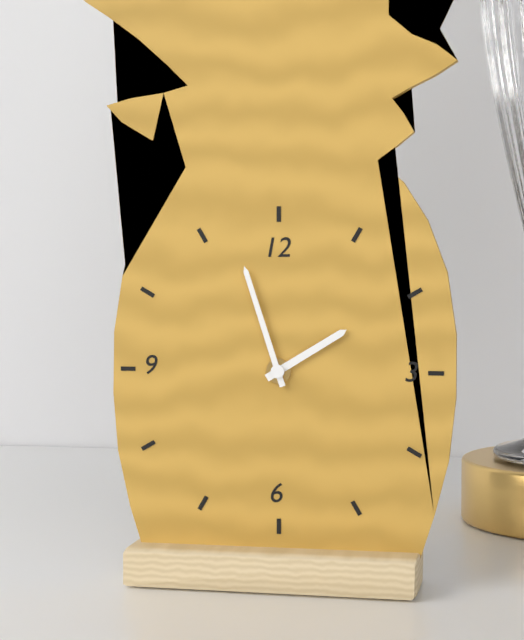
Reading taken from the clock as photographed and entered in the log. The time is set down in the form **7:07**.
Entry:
**1:57**
